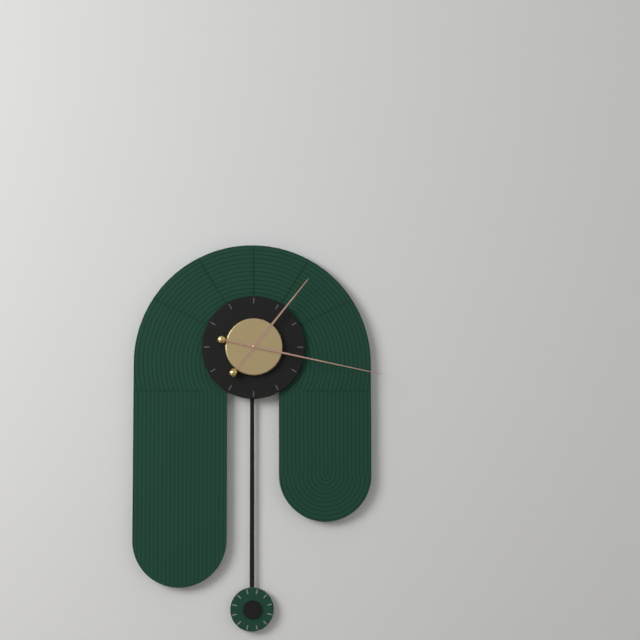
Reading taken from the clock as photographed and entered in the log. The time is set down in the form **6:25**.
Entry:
**1:17**
